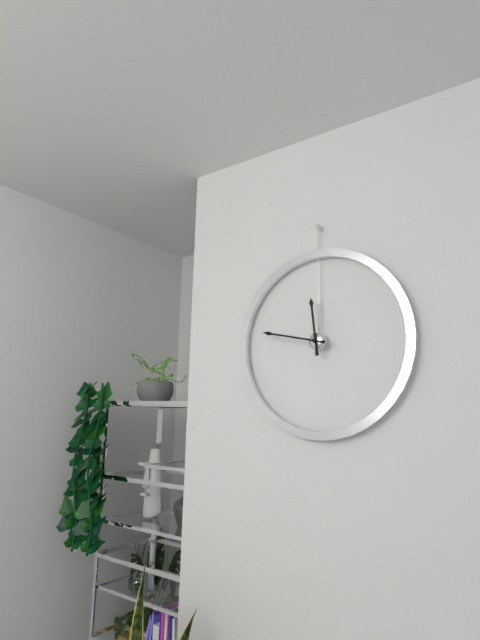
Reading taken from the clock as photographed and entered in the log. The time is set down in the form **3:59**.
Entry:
**11:47**
